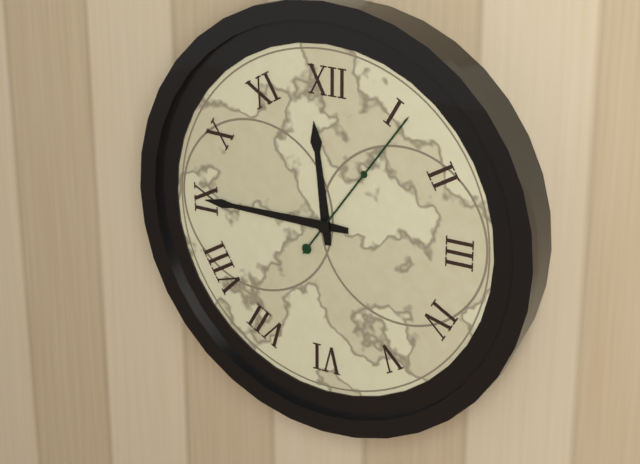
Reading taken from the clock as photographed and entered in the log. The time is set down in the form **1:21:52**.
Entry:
**11:45:06**
